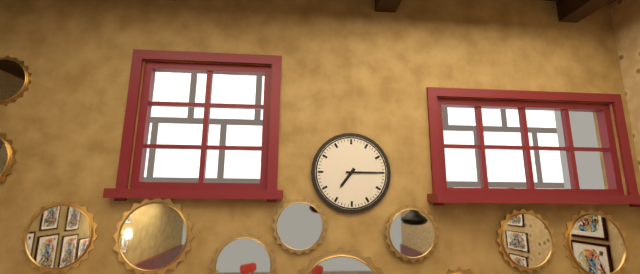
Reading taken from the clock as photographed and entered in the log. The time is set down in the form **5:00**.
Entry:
**7:15**
